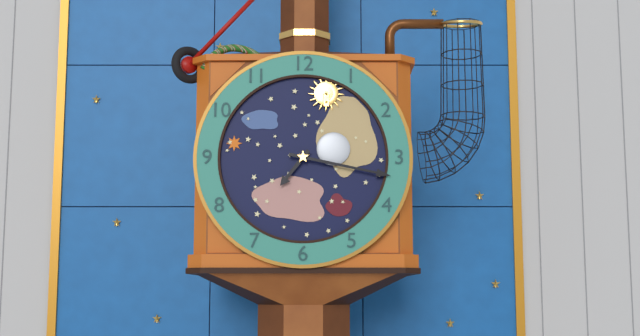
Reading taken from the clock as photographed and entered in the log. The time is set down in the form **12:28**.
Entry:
**7:17**
